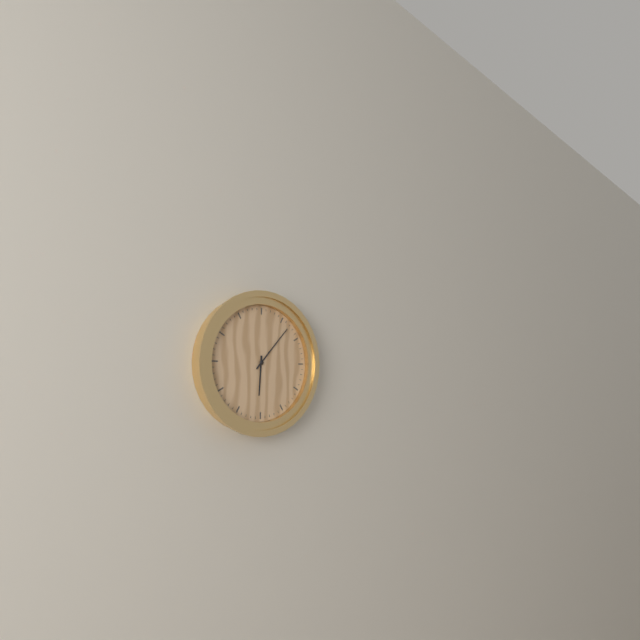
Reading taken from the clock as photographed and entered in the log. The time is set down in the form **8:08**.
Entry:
**6:07**
